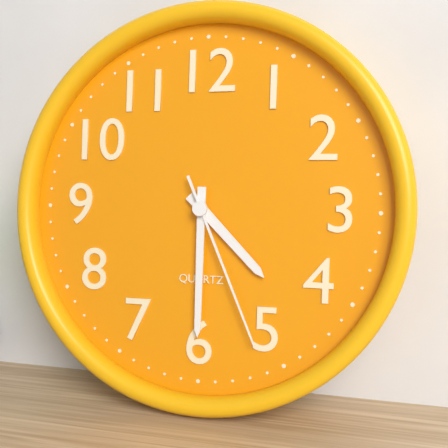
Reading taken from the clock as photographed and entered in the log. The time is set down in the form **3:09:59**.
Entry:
**4:30:26**
